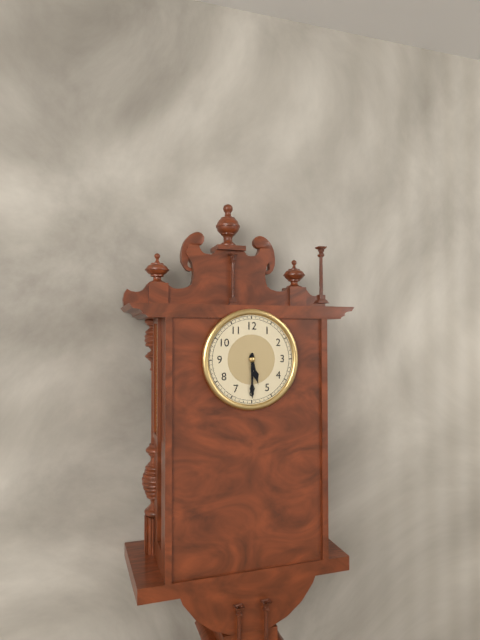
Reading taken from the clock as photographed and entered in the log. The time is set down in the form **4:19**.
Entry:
**5:30**
